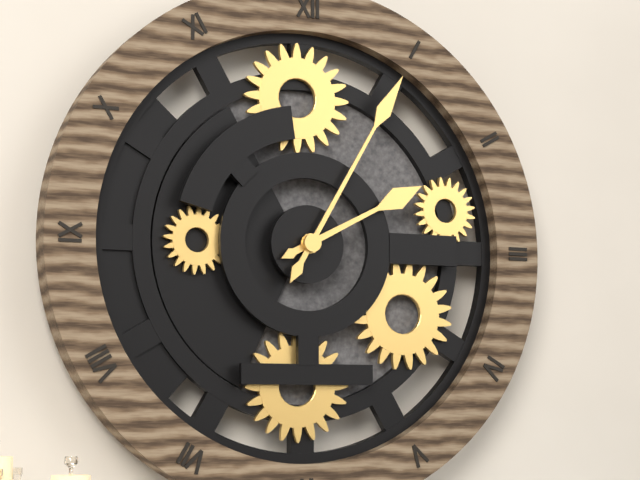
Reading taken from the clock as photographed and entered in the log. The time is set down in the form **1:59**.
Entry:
**2:05**
